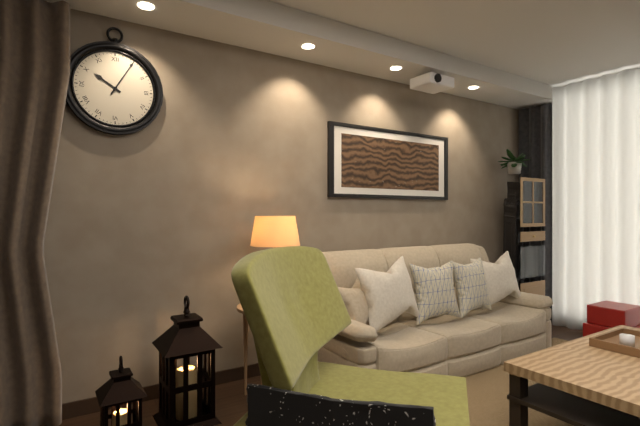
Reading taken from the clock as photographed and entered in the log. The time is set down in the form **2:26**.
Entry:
**10:05**
